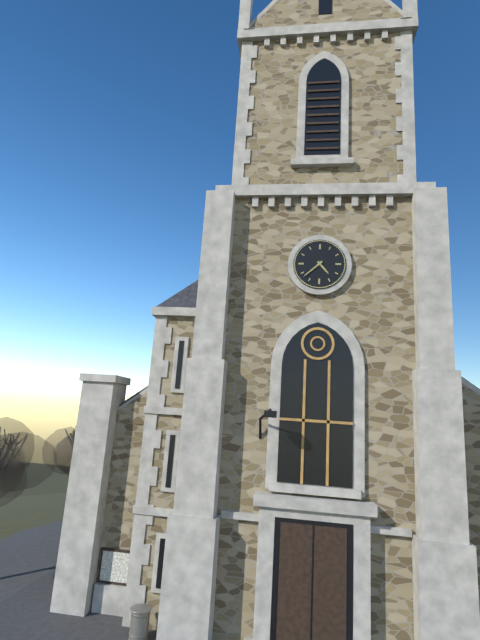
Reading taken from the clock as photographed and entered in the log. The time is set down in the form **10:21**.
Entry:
**4:38**
